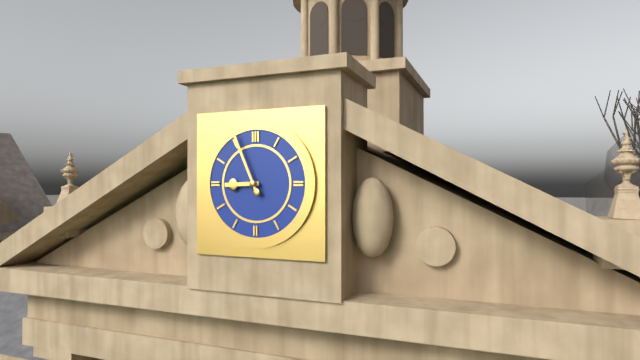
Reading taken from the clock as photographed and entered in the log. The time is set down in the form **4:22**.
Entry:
**8:56**
